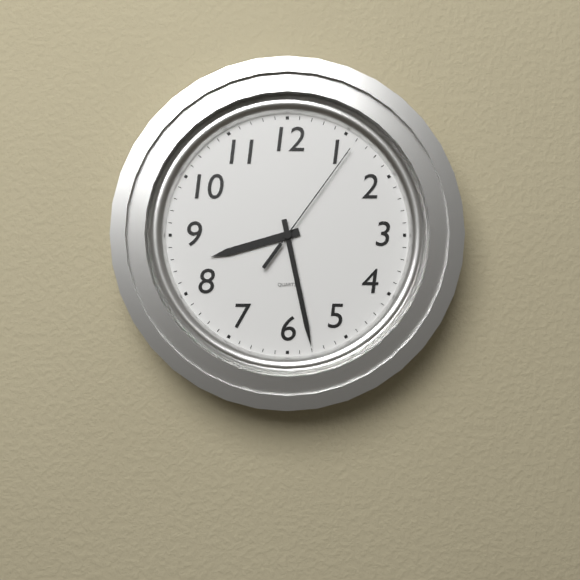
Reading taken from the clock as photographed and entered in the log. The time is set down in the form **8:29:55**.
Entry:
**8:28:06**
